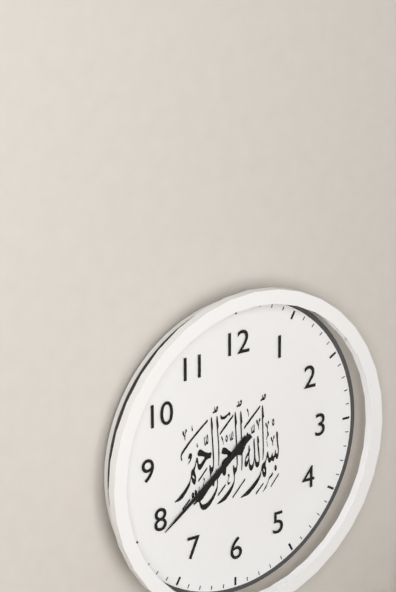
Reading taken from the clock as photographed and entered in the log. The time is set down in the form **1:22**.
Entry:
**7:39**
